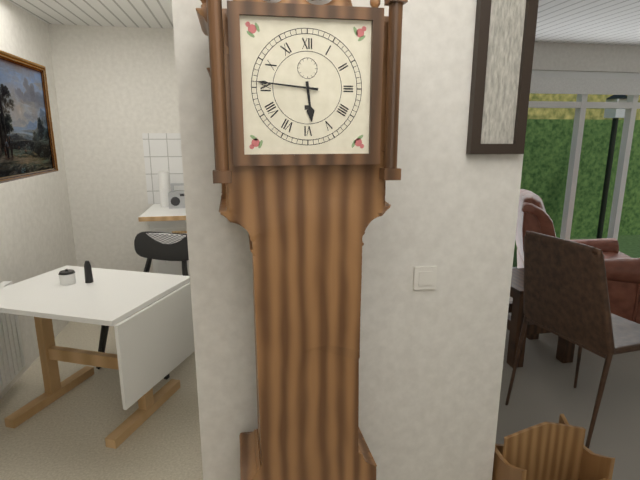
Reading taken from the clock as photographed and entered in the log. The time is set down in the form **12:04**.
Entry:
**5:46**
